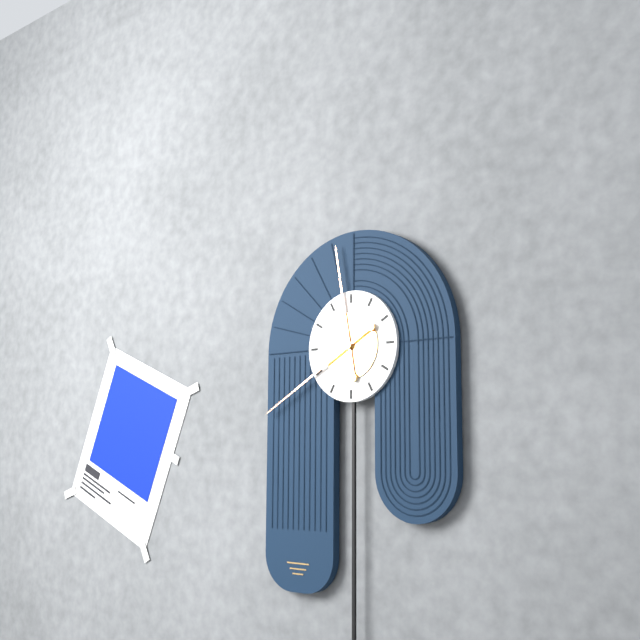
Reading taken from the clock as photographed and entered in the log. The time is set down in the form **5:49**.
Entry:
**11:40**
